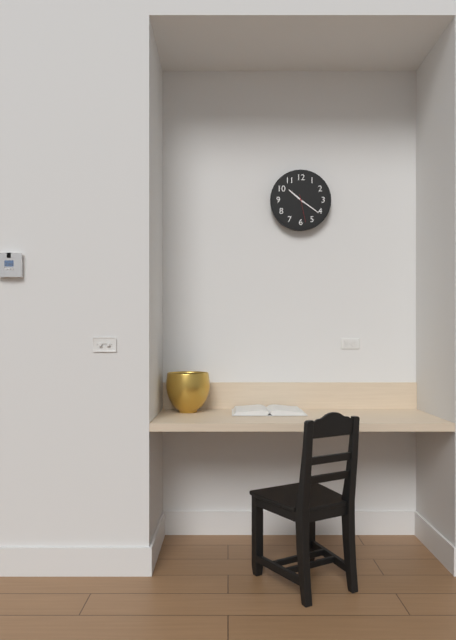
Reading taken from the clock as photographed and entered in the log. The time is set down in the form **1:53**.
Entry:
**10:21**
